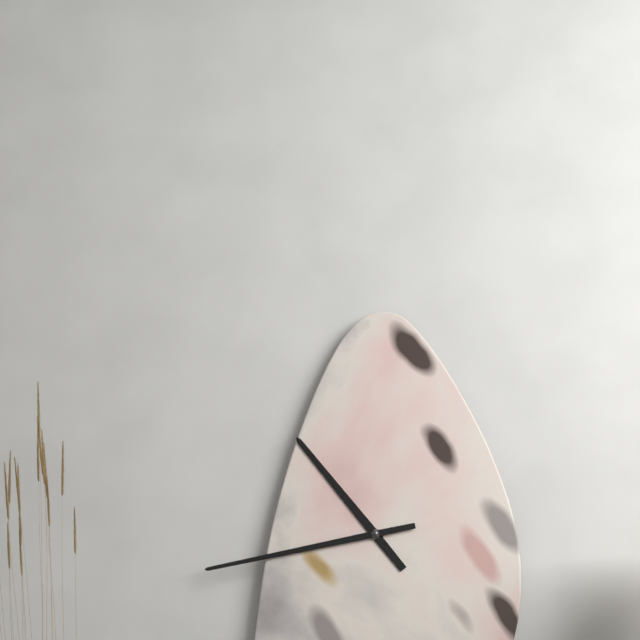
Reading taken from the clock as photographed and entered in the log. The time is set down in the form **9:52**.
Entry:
**10:43**
